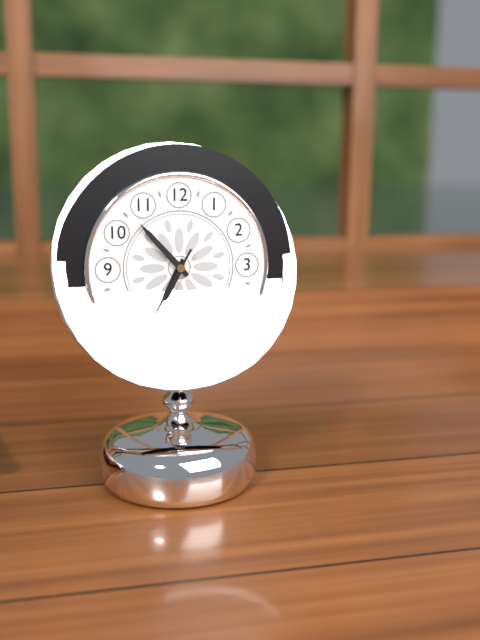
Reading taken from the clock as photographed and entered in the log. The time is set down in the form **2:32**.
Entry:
**6:53**
